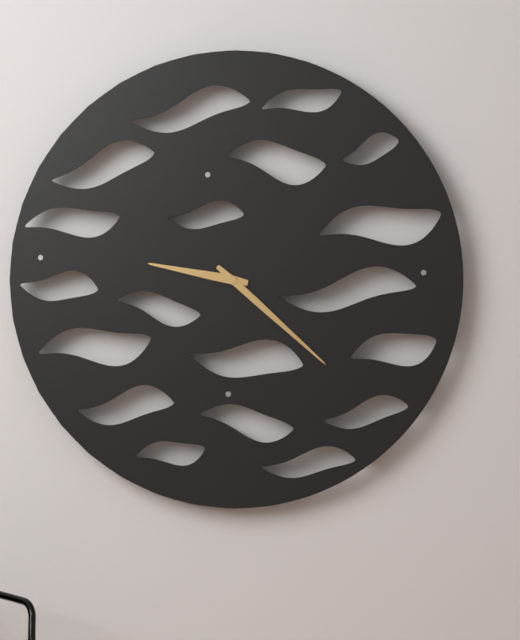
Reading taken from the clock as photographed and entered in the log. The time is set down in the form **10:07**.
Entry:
**9:22**
